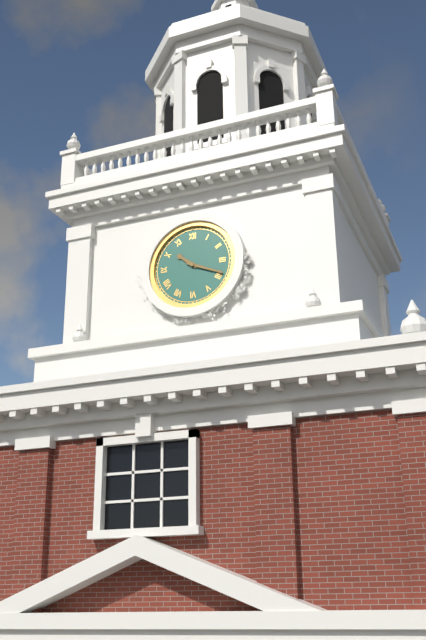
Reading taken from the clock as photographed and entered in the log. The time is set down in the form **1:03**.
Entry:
**10:19**
